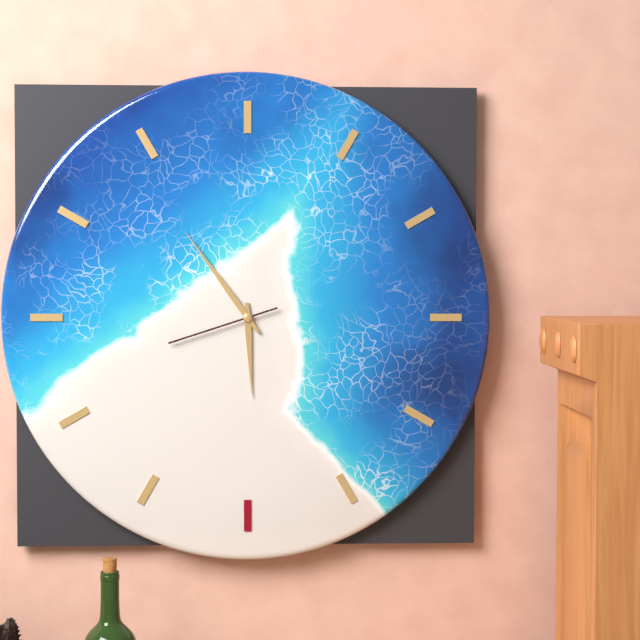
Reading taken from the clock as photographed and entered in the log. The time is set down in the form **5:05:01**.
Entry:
**5:54:42**
